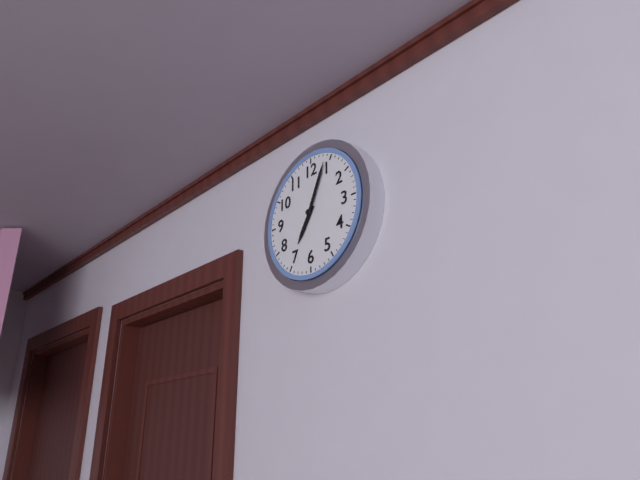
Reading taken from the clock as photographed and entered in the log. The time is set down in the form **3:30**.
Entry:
**7:04**
